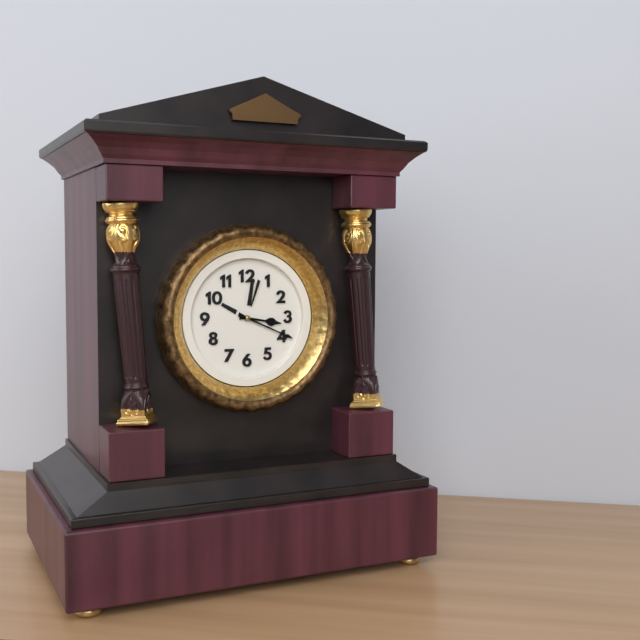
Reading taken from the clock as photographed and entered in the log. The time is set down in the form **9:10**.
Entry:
**3:19**
